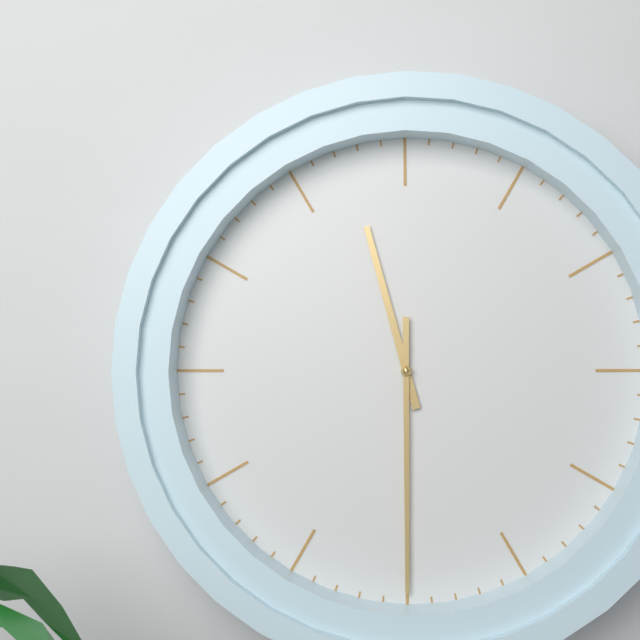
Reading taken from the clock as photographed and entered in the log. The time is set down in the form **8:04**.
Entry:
**11:30**
